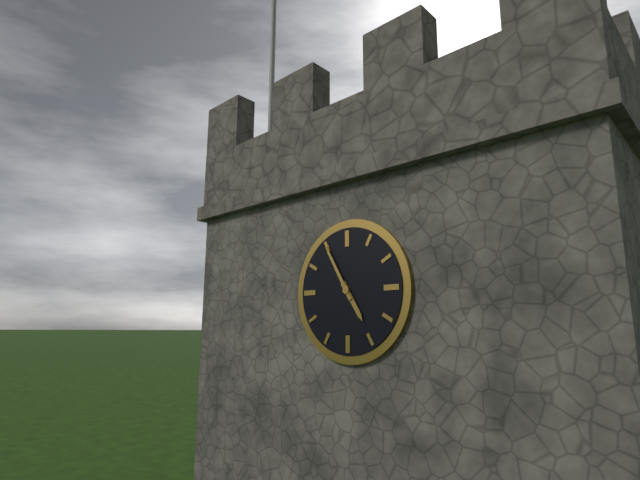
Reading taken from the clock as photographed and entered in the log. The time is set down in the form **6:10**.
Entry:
**4:55**
